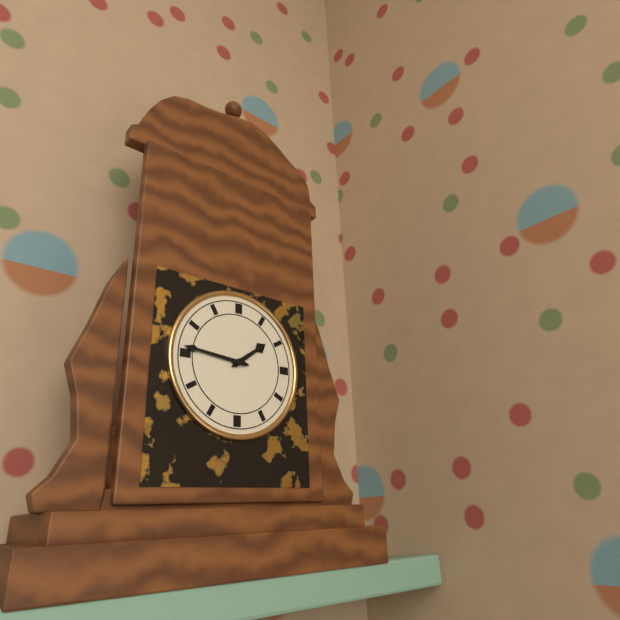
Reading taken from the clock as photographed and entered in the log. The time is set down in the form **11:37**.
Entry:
**1:46**
